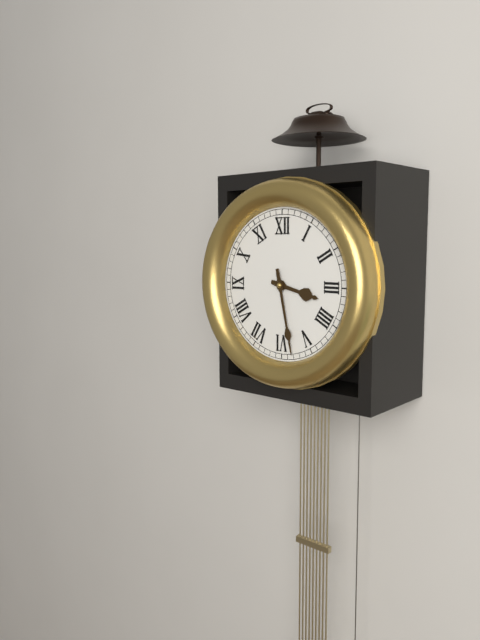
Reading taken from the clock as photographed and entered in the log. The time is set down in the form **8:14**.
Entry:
**3:28**
